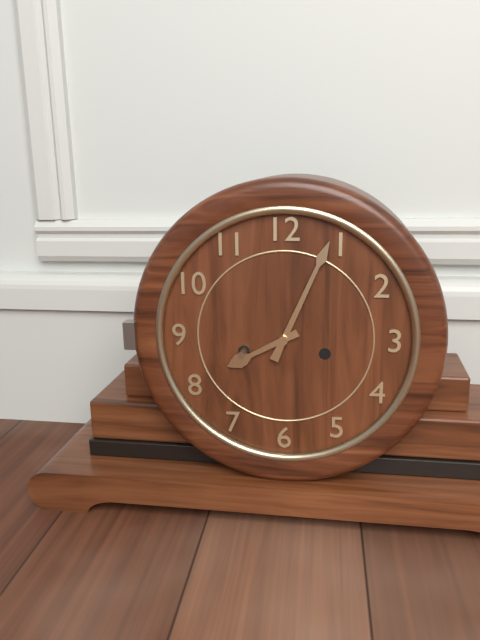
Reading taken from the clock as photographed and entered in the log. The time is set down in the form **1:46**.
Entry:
**8:04**
